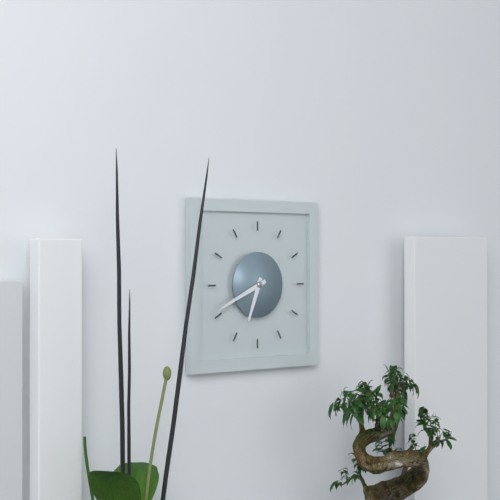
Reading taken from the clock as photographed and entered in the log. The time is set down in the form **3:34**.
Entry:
**6:41**
